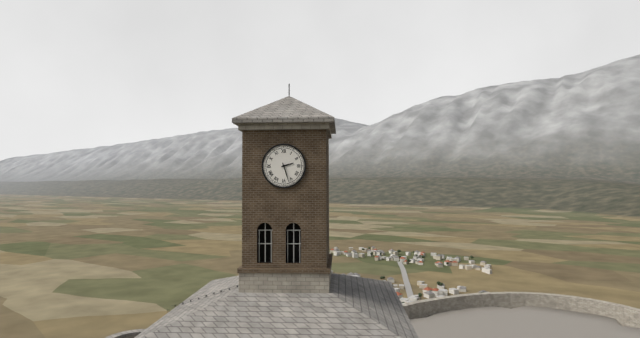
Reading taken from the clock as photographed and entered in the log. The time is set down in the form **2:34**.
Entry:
**2:27**
